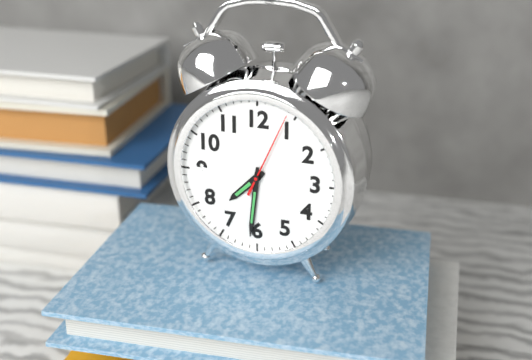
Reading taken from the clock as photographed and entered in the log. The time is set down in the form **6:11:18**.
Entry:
**7:31:04**
